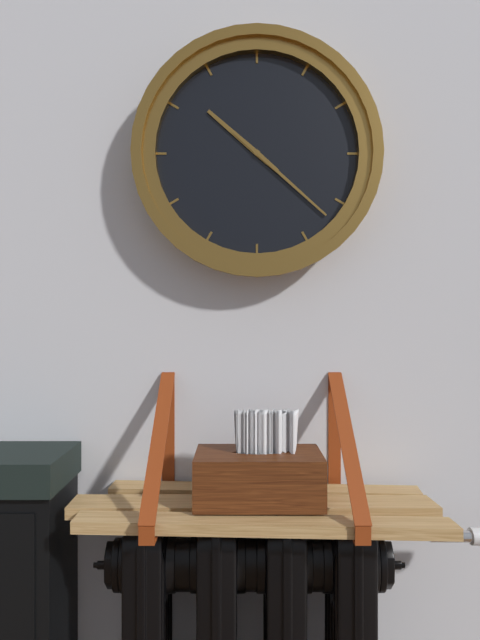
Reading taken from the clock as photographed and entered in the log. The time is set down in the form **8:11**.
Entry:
**10:22**
